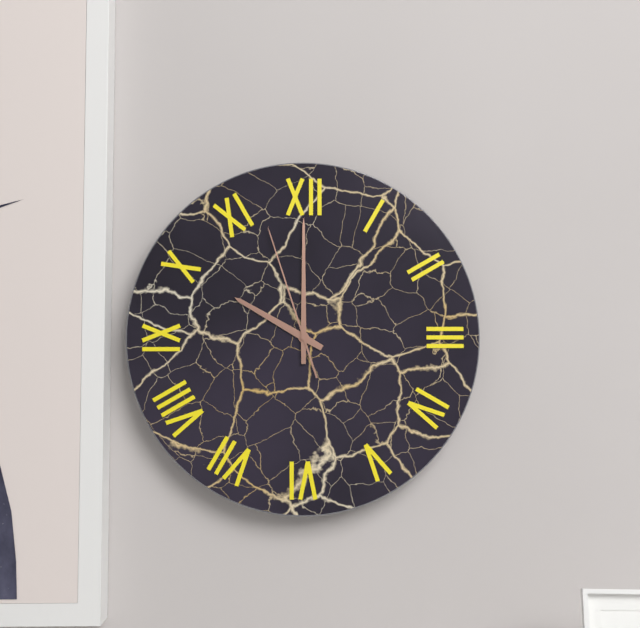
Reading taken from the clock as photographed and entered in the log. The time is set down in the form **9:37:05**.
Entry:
**10:00:57**
